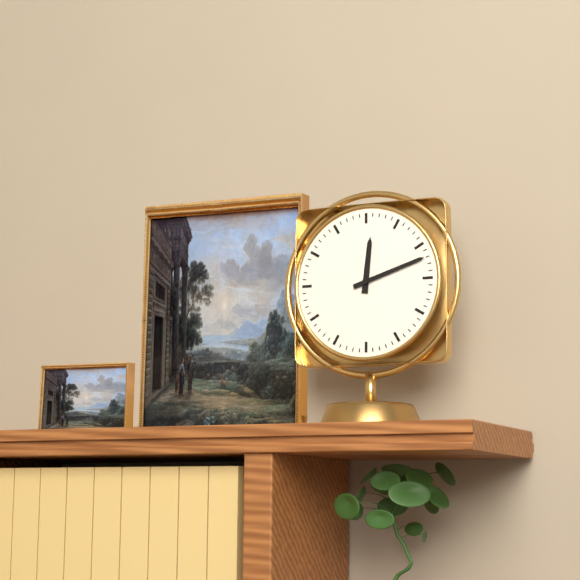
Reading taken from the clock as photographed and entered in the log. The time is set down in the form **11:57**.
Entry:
**12:12**
